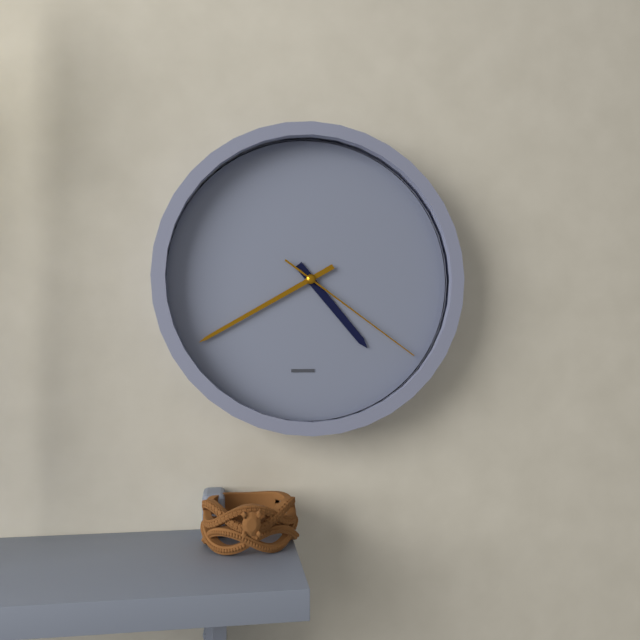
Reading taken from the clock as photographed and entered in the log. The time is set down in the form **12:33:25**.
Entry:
**4:40:21**
